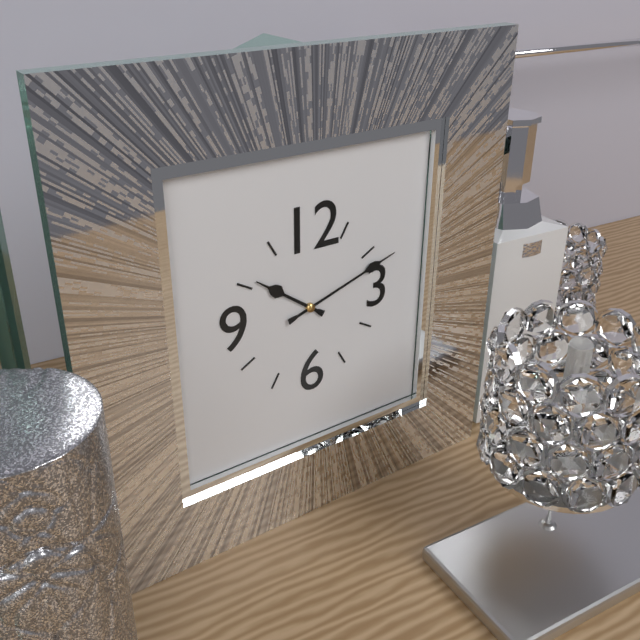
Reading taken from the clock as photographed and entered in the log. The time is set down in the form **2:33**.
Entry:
**10:12**
